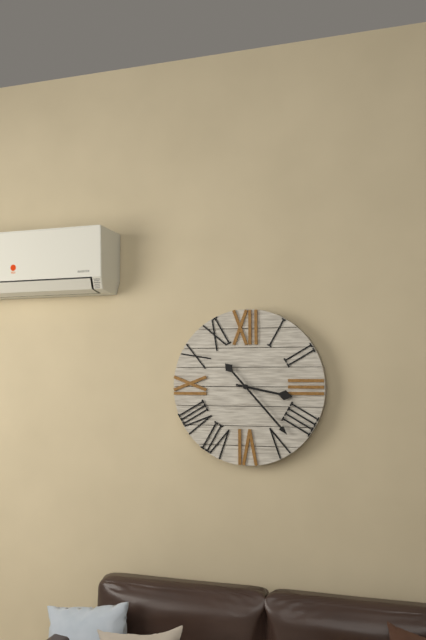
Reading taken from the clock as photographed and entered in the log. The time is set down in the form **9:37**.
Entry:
**3:23**
